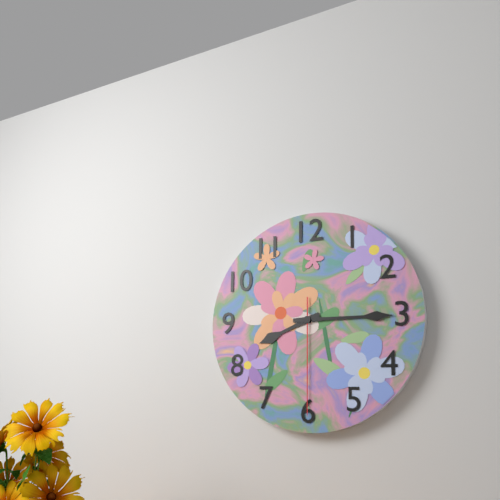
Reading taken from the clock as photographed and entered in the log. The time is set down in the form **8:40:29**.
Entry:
**8:15:30**
